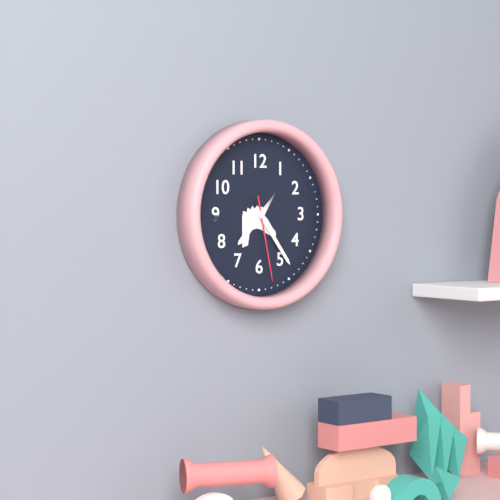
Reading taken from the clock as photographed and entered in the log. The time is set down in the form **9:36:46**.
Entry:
**7:24:28**
